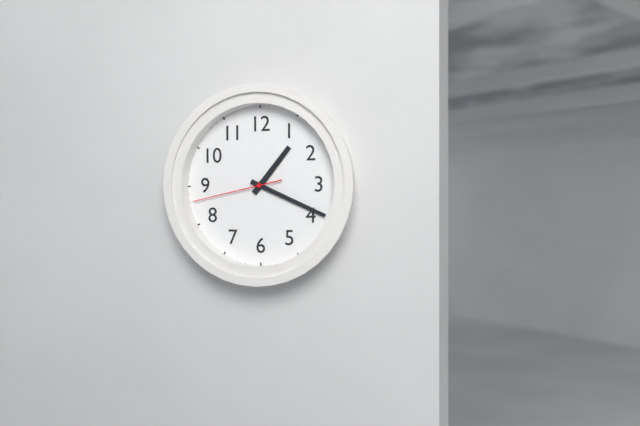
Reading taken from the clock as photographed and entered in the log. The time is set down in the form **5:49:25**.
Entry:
**1:19:43**
